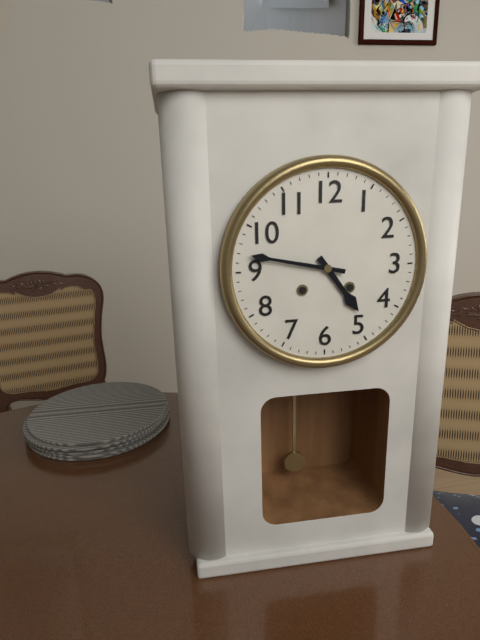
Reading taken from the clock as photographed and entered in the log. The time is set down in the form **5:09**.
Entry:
**4:47**
